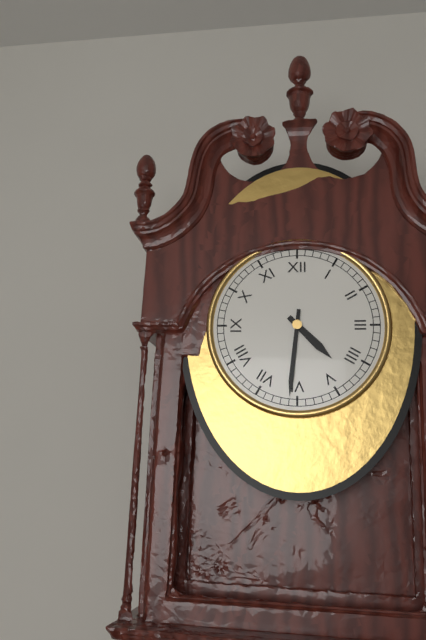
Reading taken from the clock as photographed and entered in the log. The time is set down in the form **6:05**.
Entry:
**4:31**
